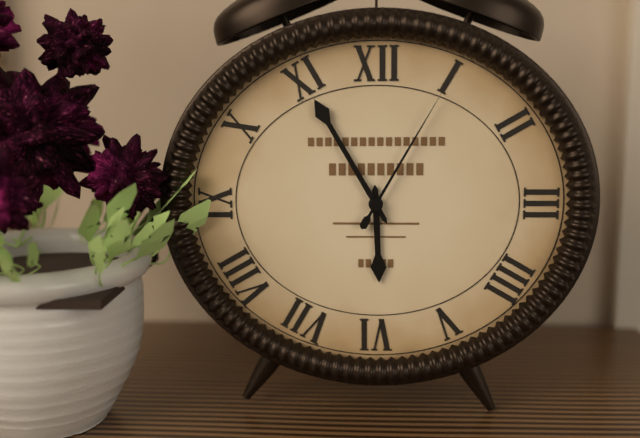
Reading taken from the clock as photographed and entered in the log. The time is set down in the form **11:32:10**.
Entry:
**5:55:05**
